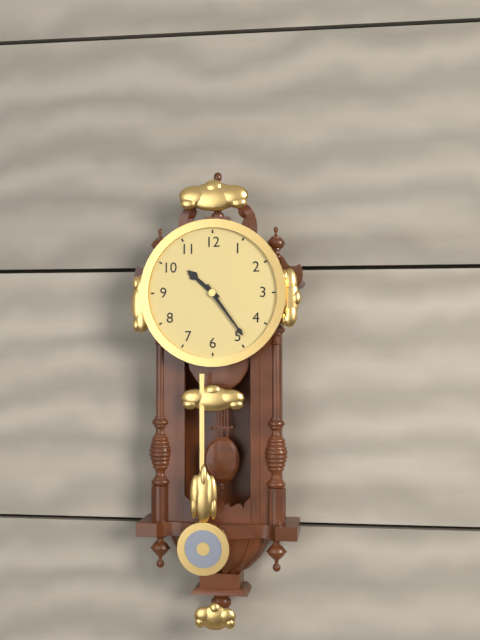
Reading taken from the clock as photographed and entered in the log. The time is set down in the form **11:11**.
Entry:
**10:24**
